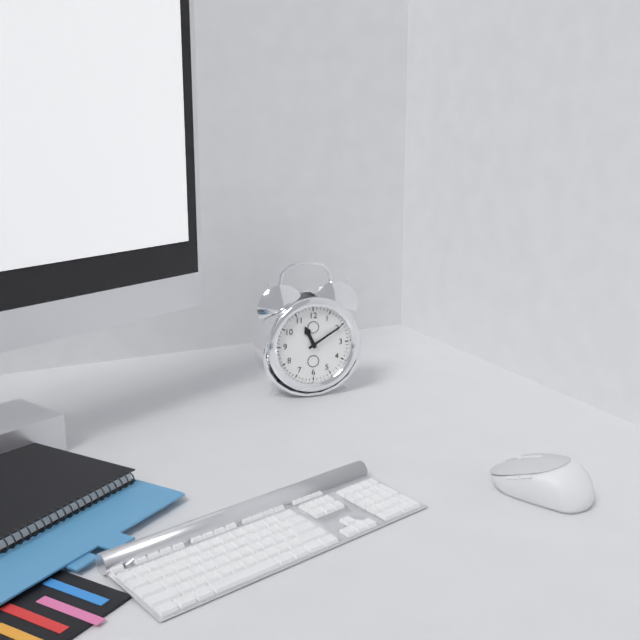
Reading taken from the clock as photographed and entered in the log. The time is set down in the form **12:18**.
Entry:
**11:10**
